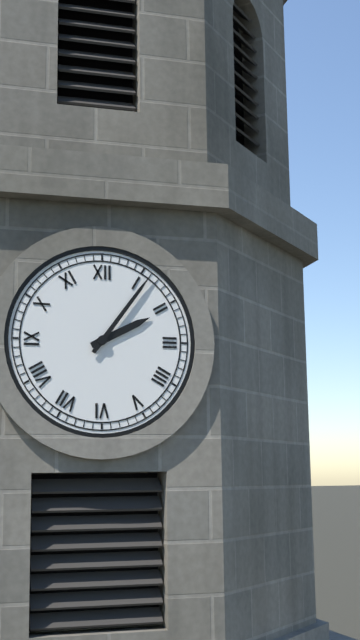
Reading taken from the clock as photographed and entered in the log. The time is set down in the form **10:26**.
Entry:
**2:06**
